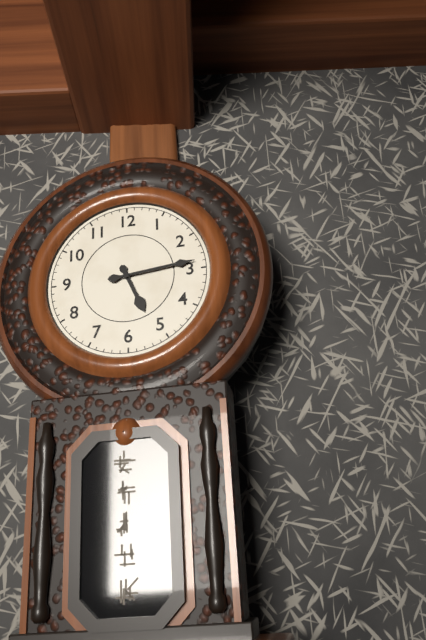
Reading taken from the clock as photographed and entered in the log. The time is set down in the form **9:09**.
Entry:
**5:14**
